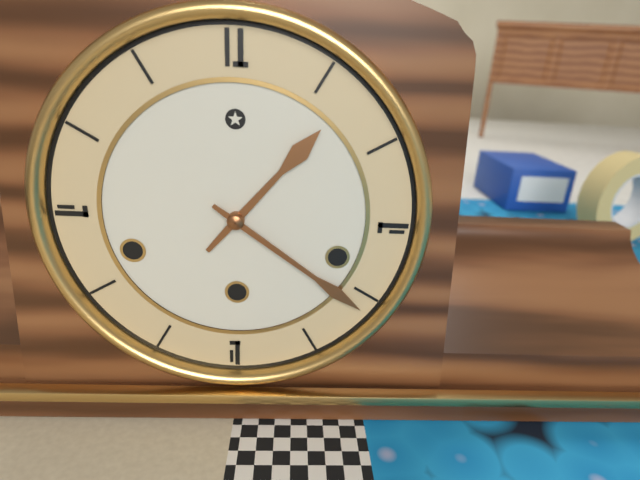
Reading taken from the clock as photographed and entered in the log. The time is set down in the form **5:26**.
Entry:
**1:21**
